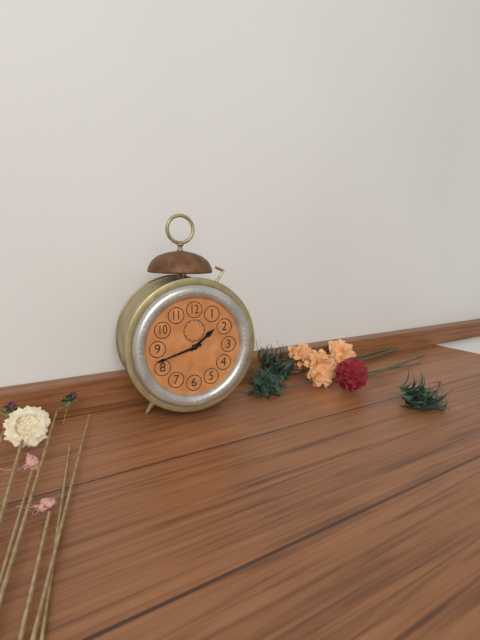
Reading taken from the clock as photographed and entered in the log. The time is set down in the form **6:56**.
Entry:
**1:42**
